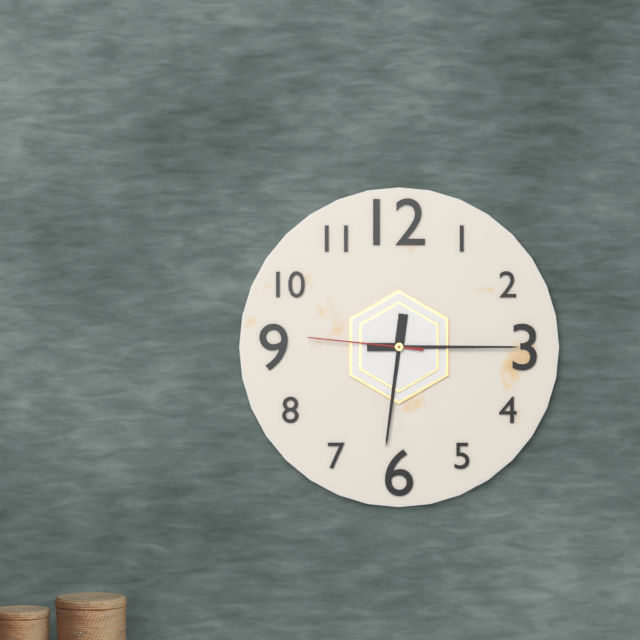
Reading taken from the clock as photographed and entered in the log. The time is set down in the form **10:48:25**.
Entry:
**6:15:46**
